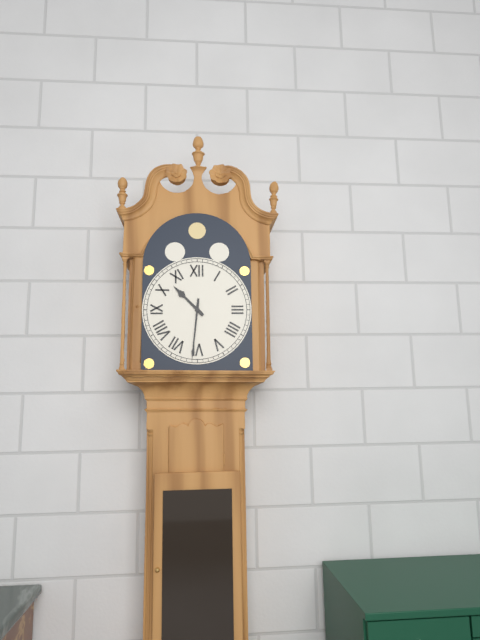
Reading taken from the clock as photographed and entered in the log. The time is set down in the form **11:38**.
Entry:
**10:31**
